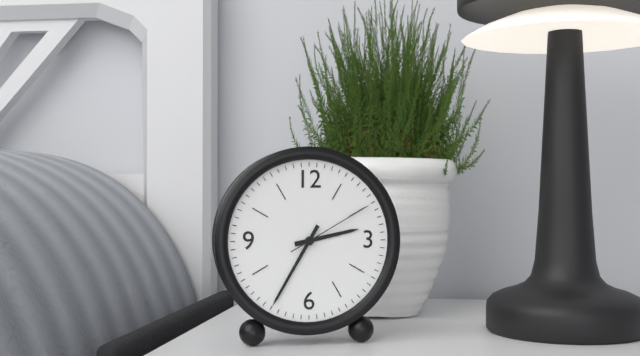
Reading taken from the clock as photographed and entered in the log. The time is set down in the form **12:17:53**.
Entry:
**2:35:10**
